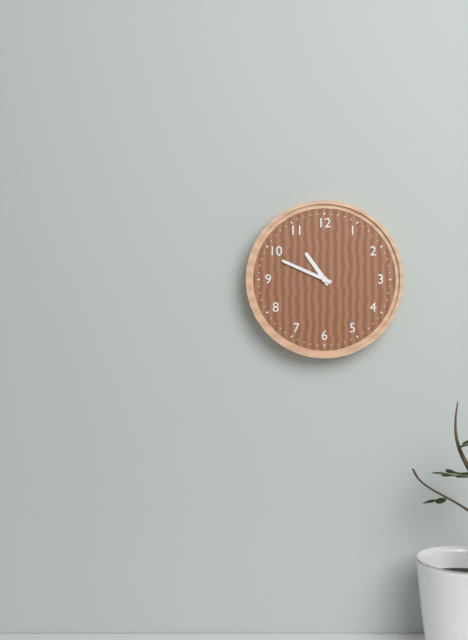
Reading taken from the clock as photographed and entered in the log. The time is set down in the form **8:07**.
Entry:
**10:49**
